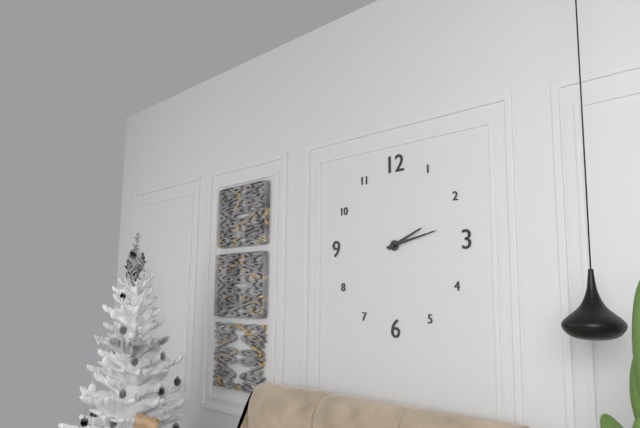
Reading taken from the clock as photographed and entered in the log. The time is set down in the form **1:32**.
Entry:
**2:13**
